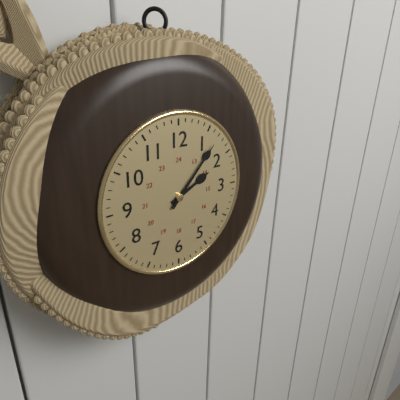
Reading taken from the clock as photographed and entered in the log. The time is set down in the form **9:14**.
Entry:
**2:07**
